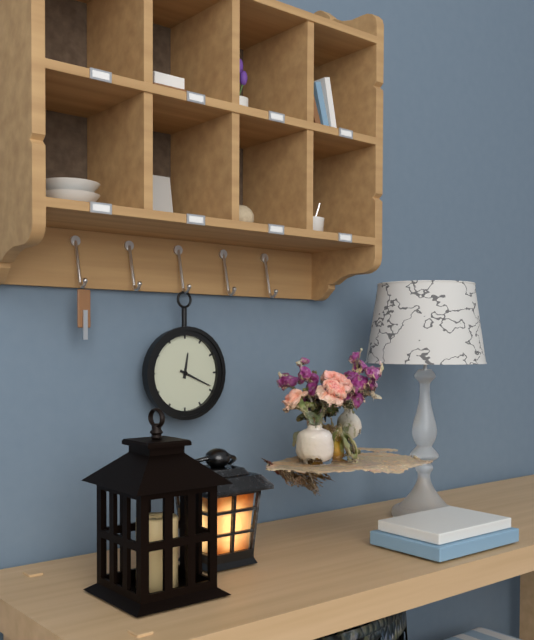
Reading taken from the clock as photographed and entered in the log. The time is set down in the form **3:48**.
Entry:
**12:19**
